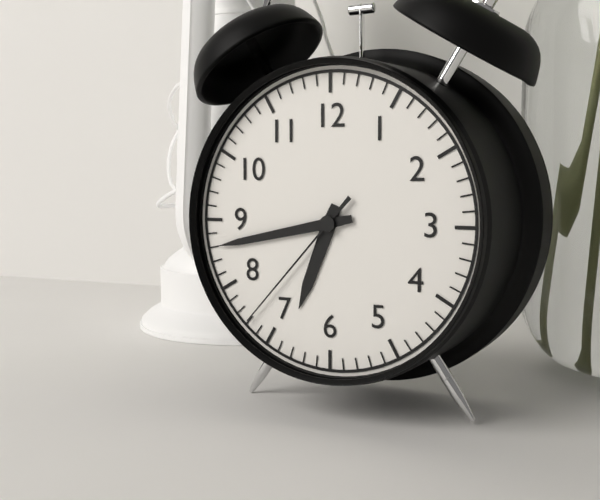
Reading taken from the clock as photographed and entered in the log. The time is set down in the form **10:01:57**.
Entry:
**6:43:37**
